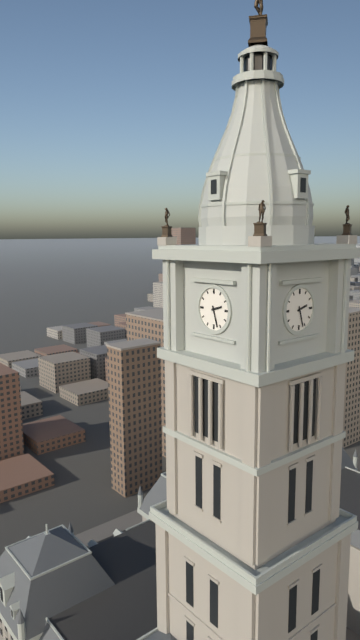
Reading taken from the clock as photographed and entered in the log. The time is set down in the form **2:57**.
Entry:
**2:27**
